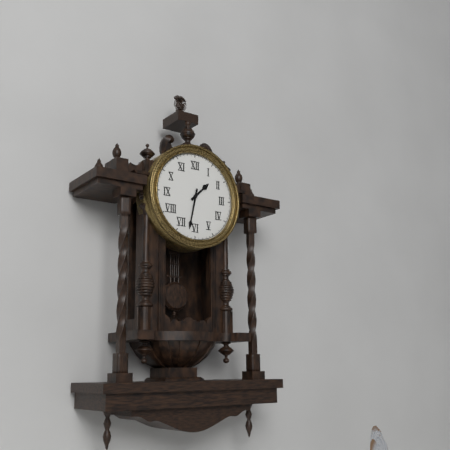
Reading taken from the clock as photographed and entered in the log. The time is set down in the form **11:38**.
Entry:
**1:32**
